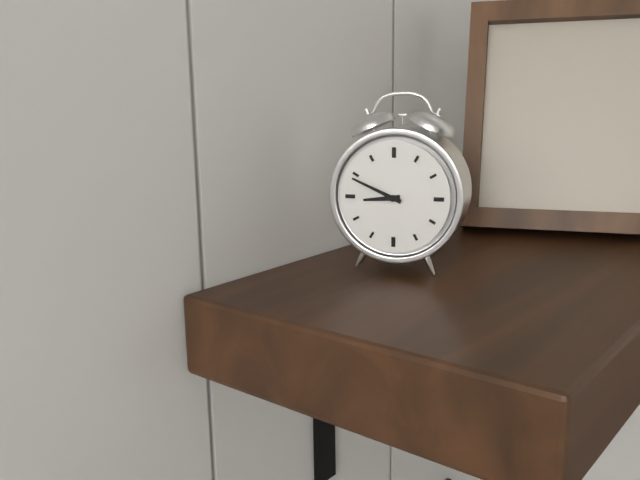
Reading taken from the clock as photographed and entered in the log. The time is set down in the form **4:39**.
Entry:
**8:49**
